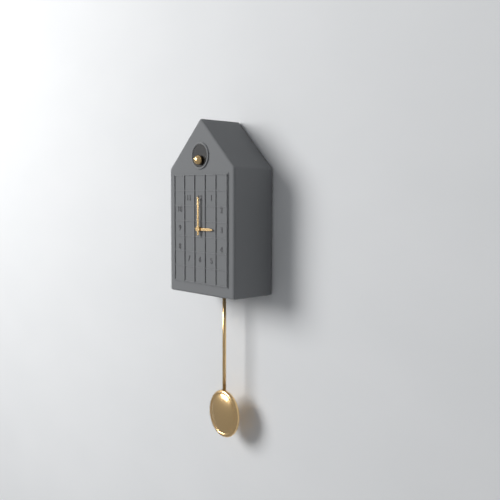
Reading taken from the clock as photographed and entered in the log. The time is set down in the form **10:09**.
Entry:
**3:00**
